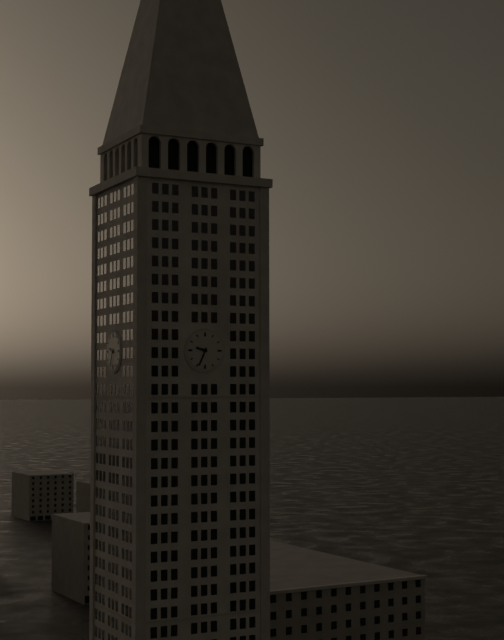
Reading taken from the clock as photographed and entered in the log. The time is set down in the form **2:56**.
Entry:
**9:34**
